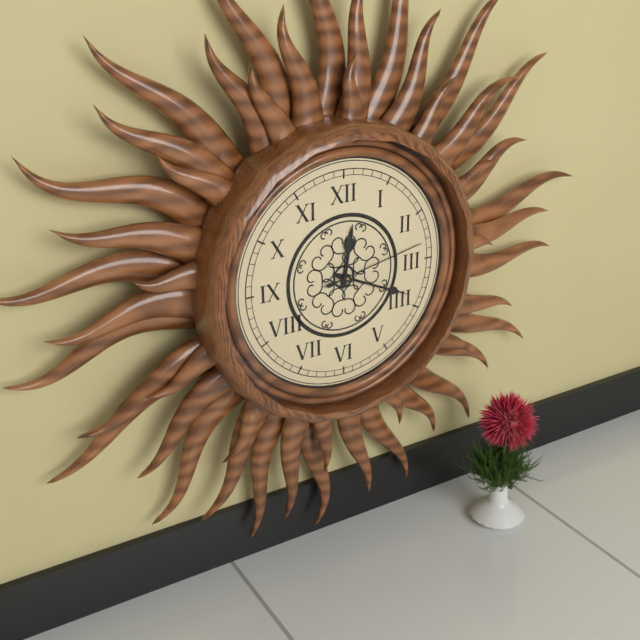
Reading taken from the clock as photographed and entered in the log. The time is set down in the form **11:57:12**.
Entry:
**12:19:13**
